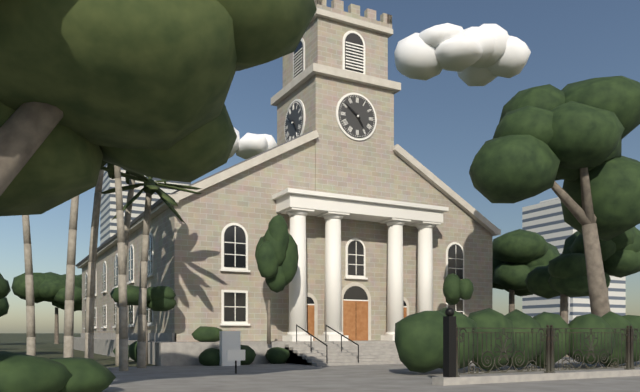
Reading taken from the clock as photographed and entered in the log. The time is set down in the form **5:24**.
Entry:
**4:51**
